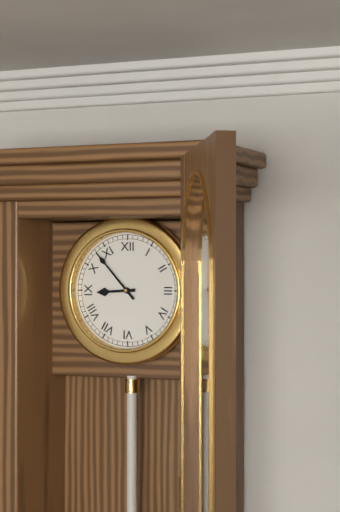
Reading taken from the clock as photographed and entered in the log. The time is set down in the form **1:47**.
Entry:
**8:53**
